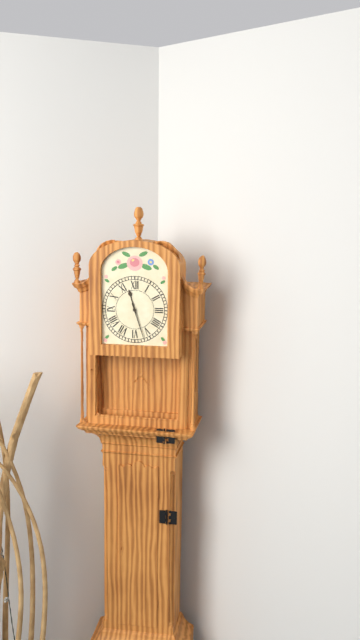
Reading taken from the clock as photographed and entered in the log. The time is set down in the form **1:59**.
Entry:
**11:27**
